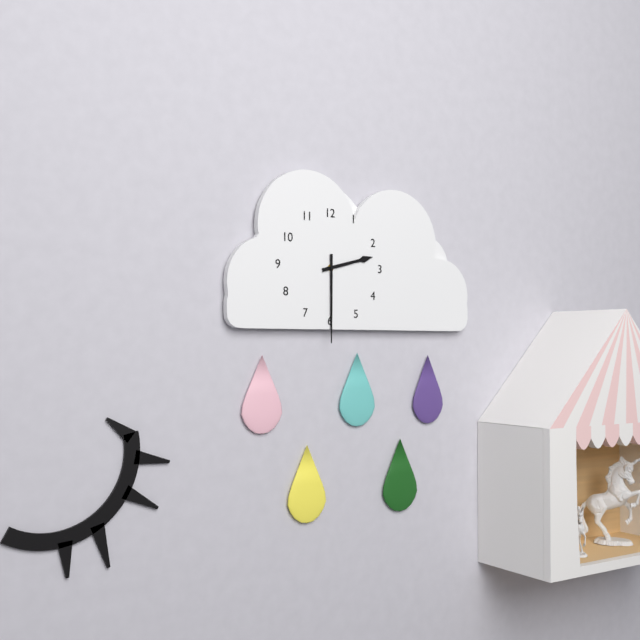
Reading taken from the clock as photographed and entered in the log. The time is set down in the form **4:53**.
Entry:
**2:30**
